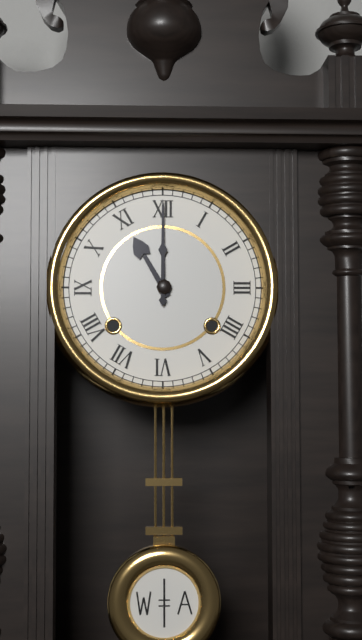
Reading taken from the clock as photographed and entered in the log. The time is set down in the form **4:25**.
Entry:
**11:00**
